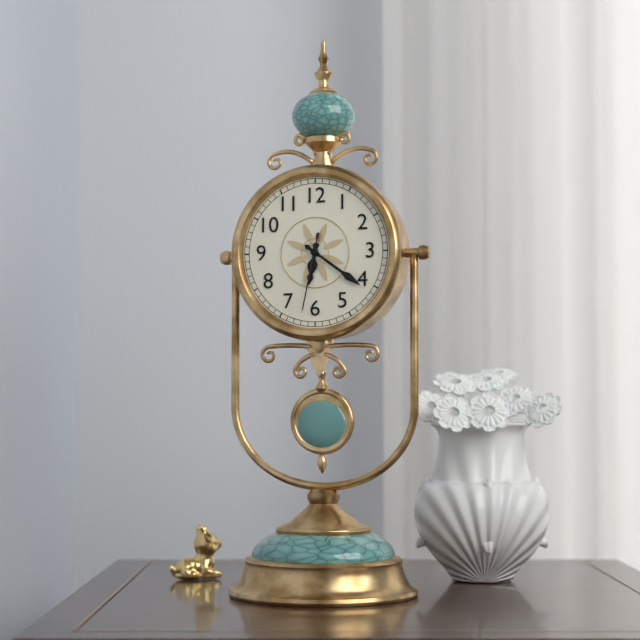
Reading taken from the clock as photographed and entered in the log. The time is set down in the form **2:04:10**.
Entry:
**6:21:32**
